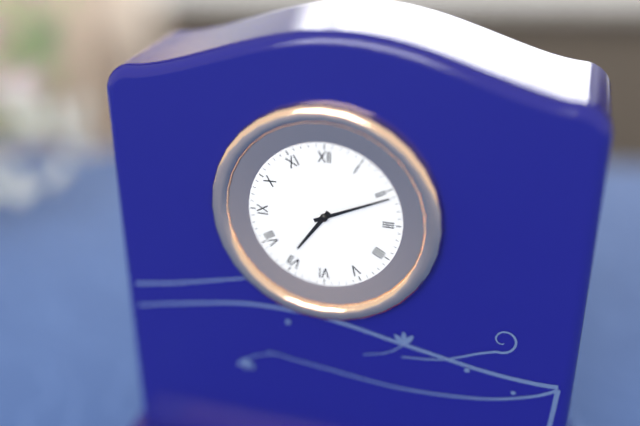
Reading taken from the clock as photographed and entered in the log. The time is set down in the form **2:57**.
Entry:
**7:11**
